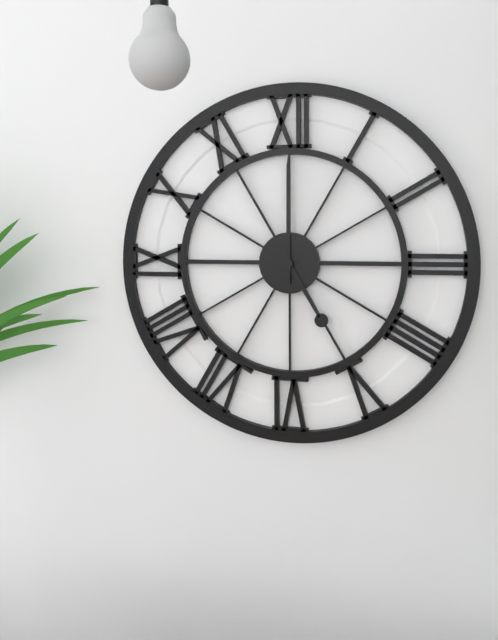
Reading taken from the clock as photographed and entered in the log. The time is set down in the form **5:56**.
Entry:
**5:00**
